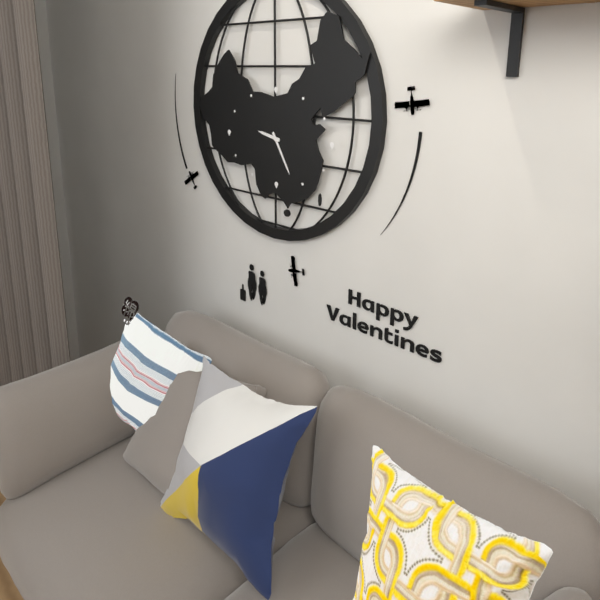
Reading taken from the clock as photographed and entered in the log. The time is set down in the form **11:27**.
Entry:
**9:25**
